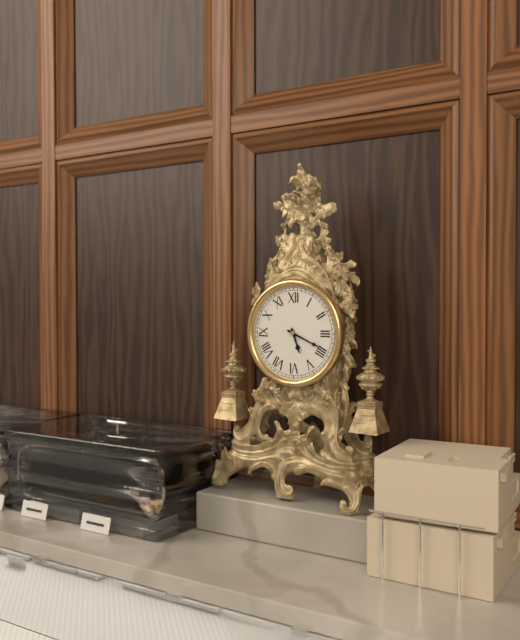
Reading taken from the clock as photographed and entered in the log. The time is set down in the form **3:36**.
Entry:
**5:19**
